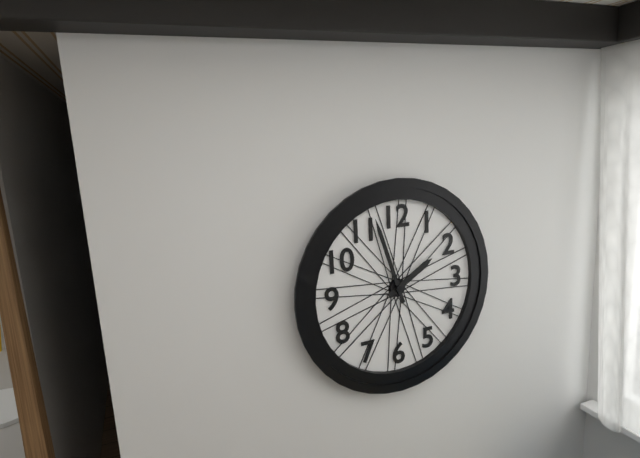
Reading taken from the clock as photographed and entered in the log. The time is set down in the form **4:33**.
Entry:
**1:57**
